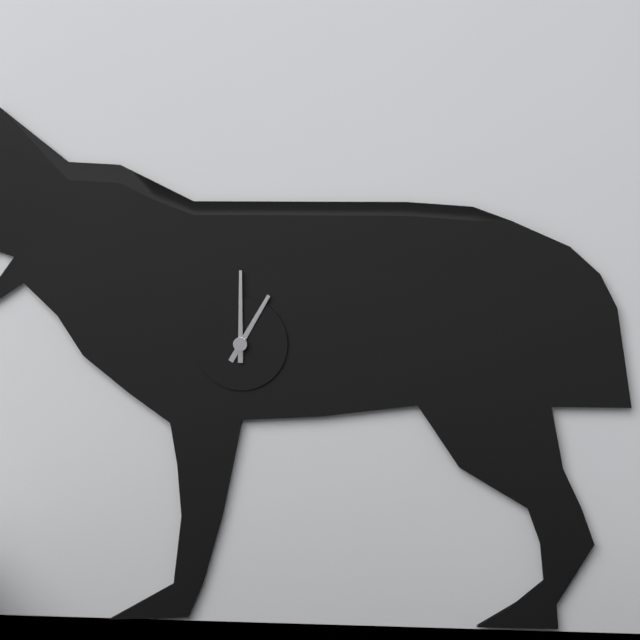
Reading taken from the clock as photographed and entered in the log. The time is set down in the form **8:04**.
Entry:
**1:00**
